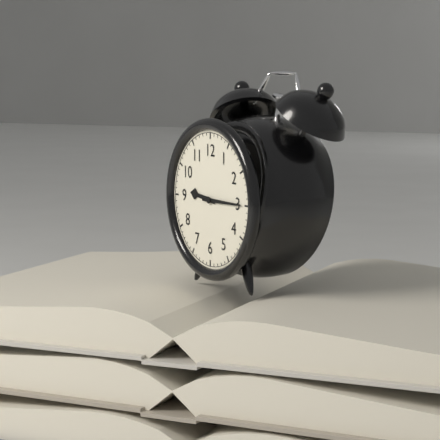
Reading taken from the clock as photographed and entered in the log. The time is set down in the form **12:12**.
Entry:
**9:15**
